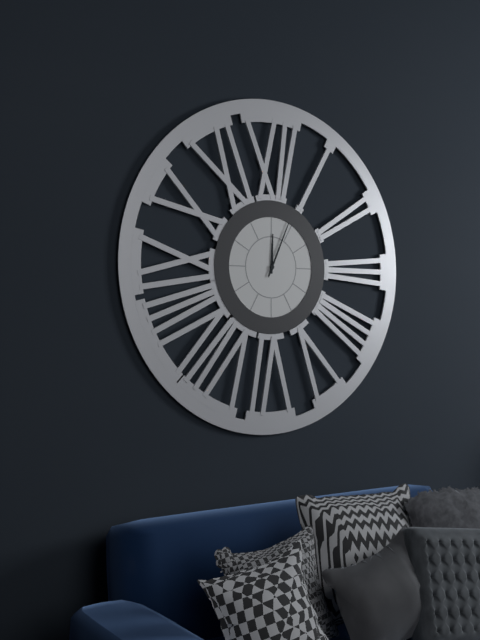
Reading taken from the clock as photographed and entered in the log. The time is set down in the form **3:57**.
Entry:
**12:04**
